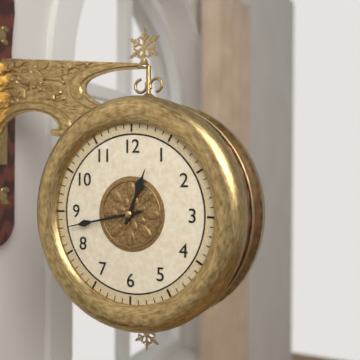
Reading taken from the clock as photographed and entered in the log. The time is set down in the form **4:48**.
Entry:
**12:43**
